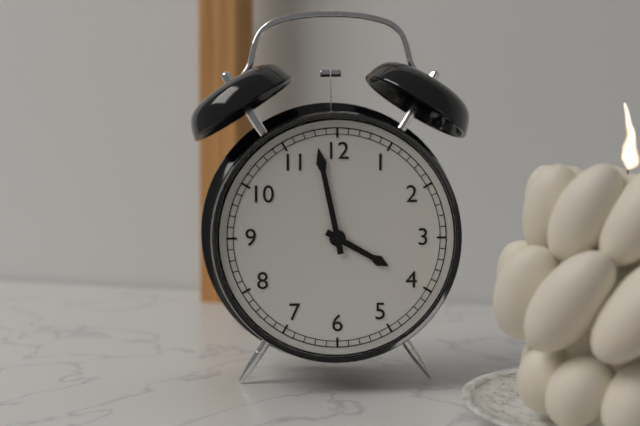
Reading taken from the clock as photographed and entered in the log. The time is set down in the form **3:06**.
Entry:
**3:58**
